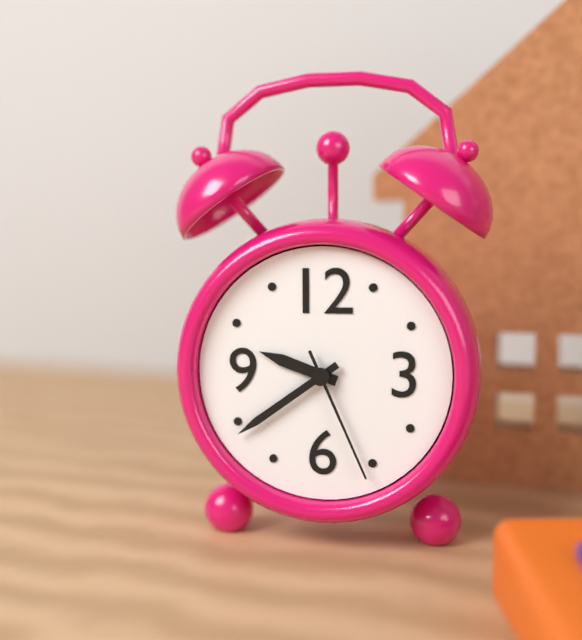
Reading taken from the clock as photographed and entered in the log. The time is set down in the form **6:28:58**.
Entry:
**9:39:26**
